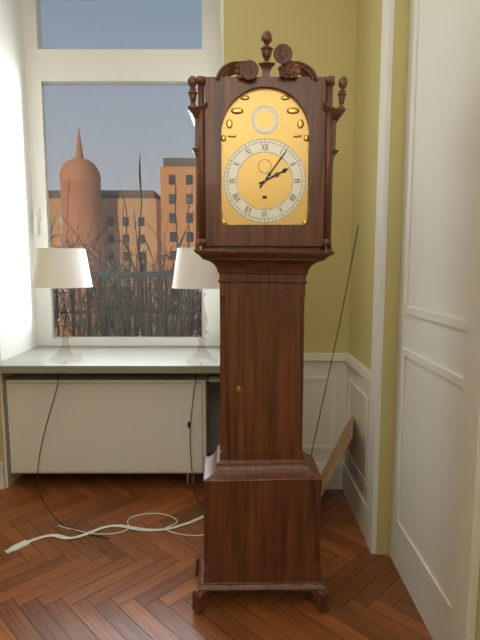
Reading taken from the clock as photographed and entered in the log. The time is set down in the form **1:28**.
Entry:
**2:06**
